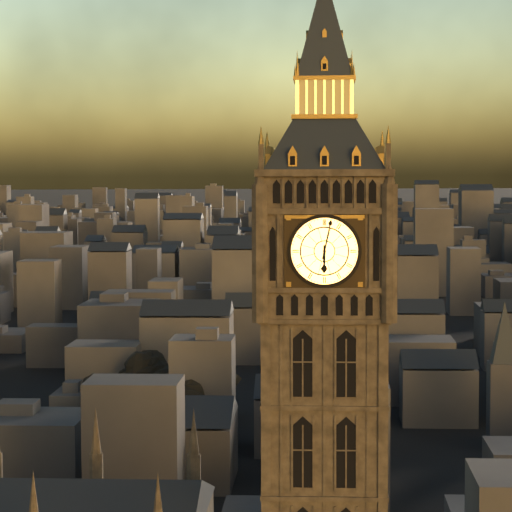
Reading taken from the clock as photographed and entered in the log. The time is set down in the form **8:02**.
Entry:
**6:02**
